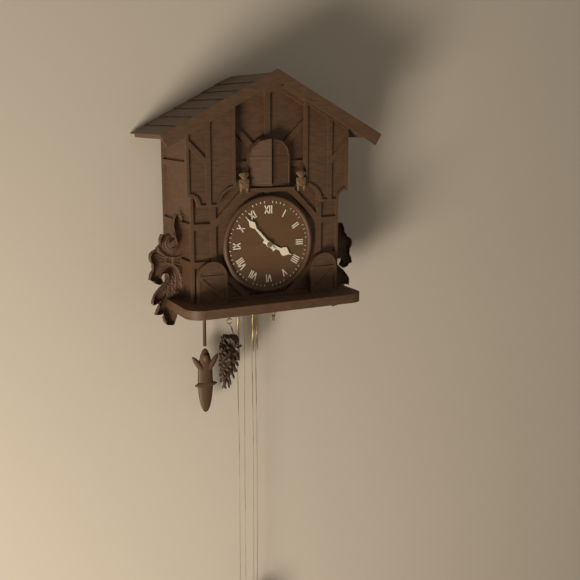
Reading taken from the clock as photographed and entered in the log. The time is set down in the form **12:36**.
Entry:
**3:53**
